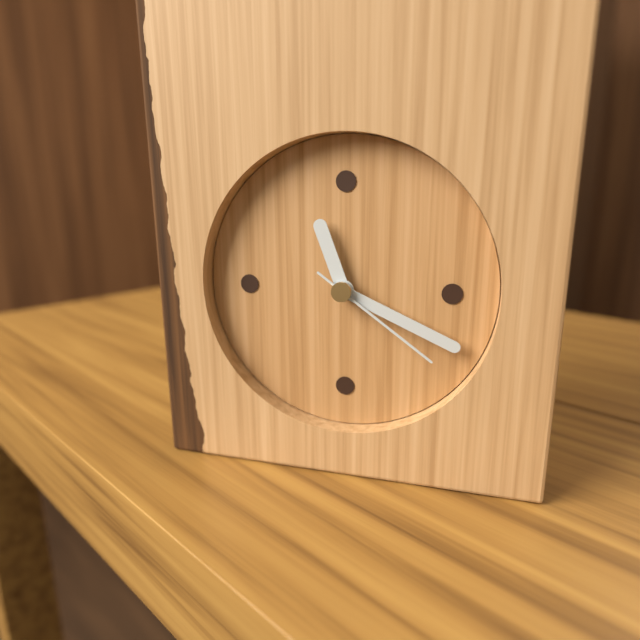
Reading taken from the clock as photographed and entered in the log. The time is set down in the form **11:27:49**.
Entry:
**11:19:21**
